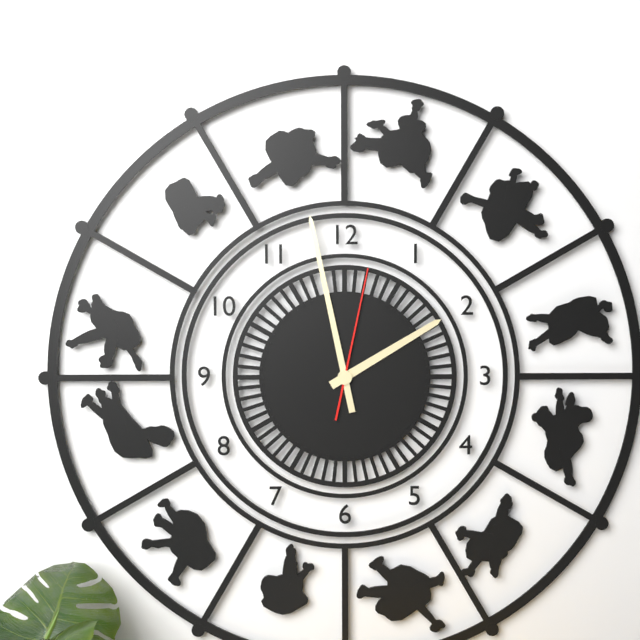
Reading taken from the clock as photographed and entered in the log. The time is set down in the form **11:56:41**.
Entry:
**1:58:02**
